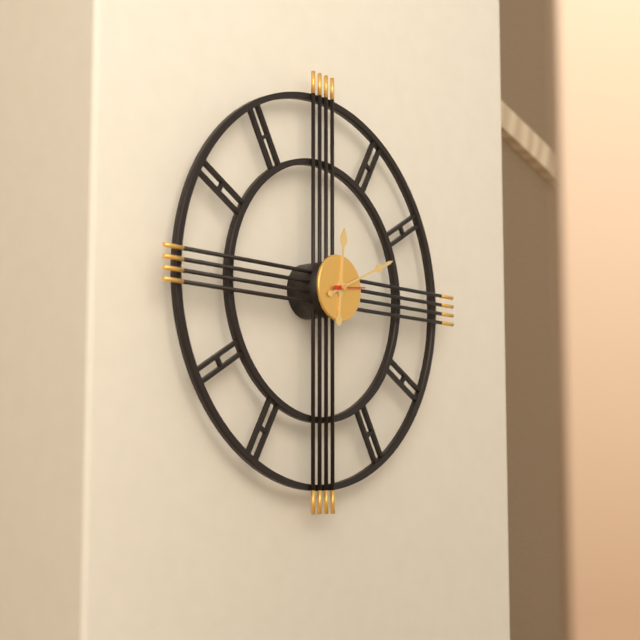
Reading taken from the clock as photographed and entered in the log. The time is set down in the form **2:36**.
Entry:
**12:11**
